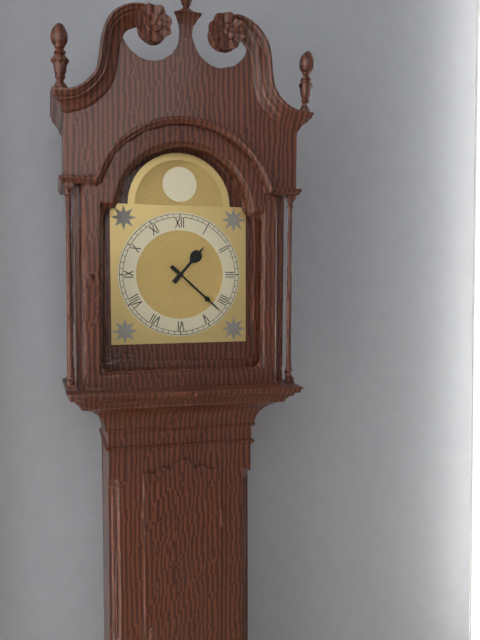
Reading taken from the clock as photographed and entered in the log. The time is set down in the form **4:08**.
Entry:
**1:22**
